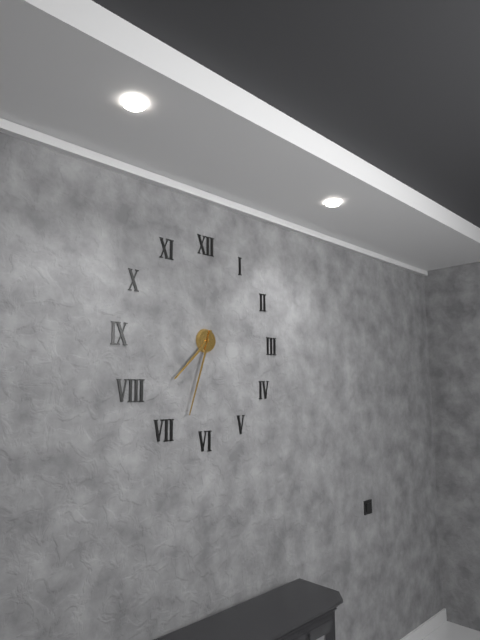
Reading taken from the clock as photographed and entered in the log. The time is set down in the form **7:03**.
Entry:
**7:33**
